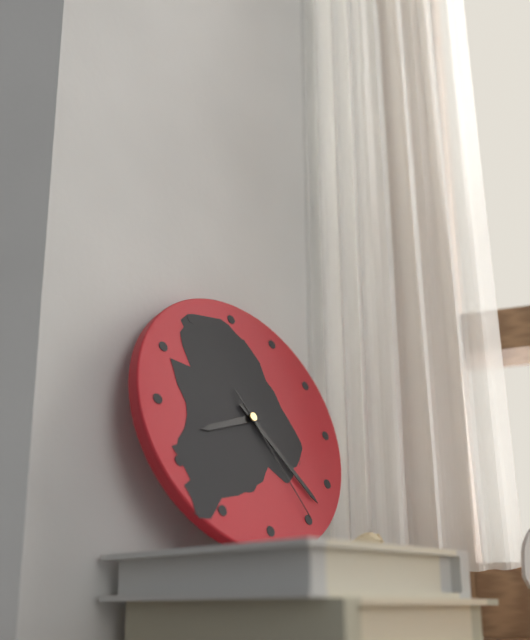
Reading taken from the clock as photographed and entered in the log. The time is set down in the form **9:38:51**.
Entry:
**8:23:25**
